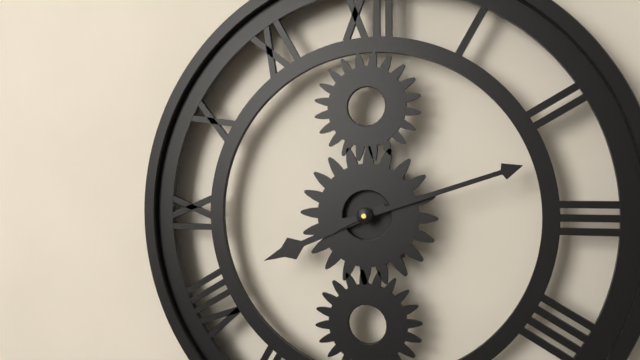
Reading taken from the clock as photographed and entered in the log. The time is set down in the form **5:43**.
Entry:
**8:12**
